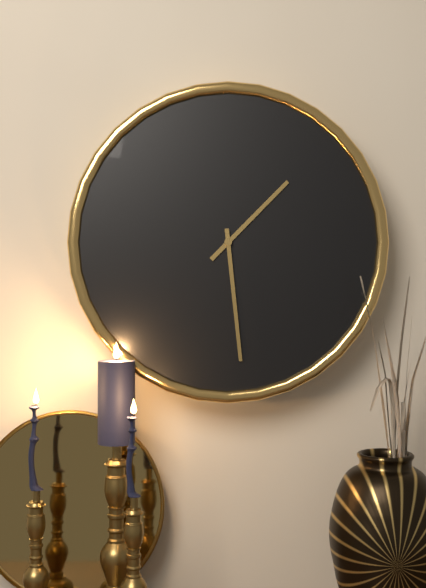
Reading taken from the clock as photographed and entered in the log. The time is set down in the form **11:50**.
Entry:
**1:29**
